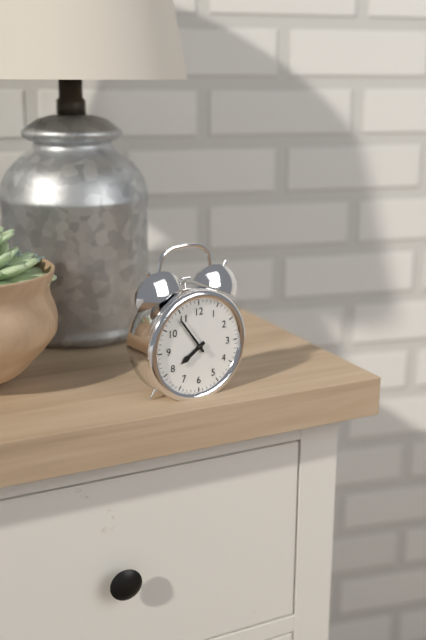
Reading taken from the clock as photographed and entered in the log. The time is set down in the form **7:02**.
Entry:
**7:54**
